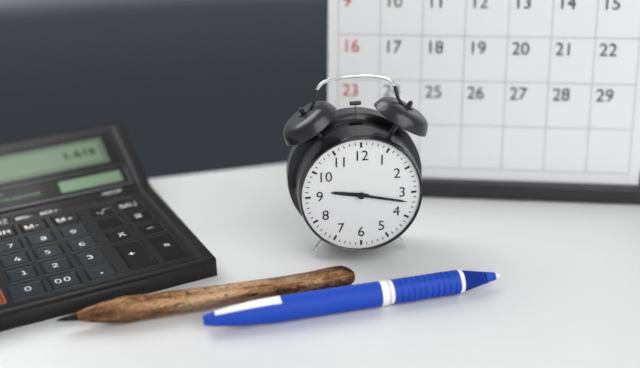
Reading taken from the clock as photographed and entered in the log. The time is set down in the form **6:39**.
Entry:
**9:17**
